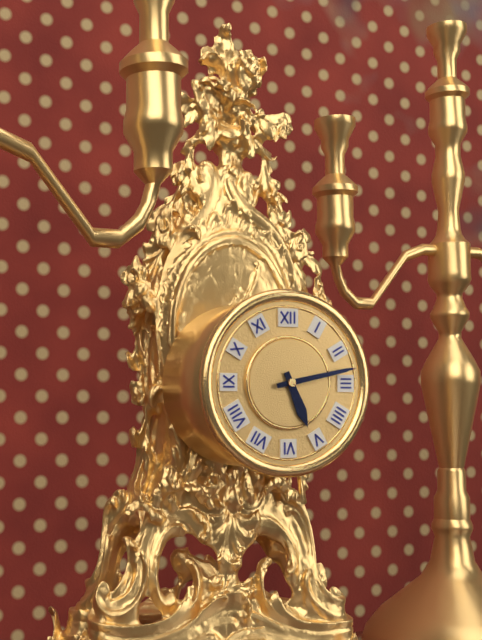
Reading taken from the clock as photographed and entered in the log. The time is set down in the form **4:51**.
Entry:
**5:13**
